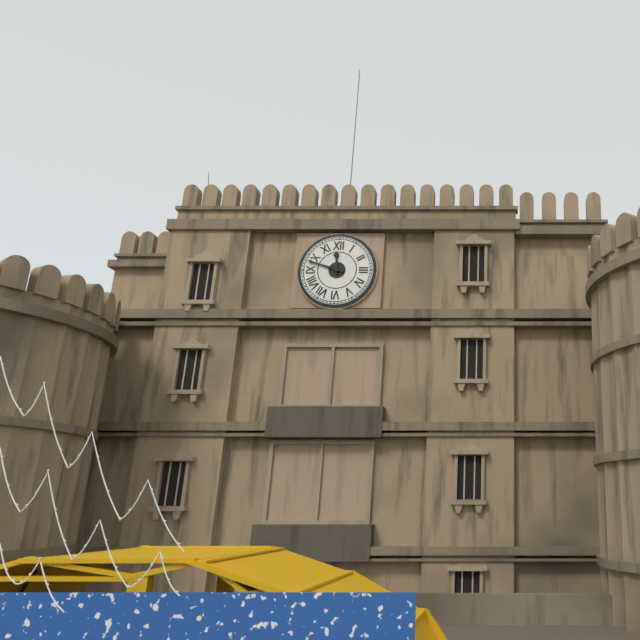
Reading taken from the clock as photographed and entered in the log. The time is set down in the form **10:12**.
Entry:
**11:48**
